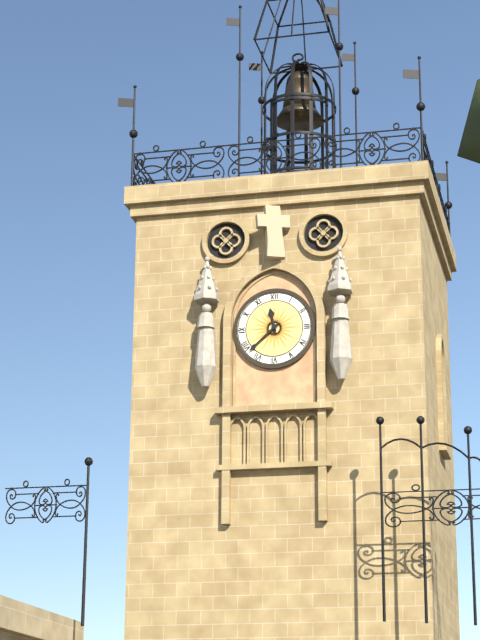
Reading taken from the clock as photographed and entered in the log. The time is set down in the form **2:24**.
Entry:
**11:38**
